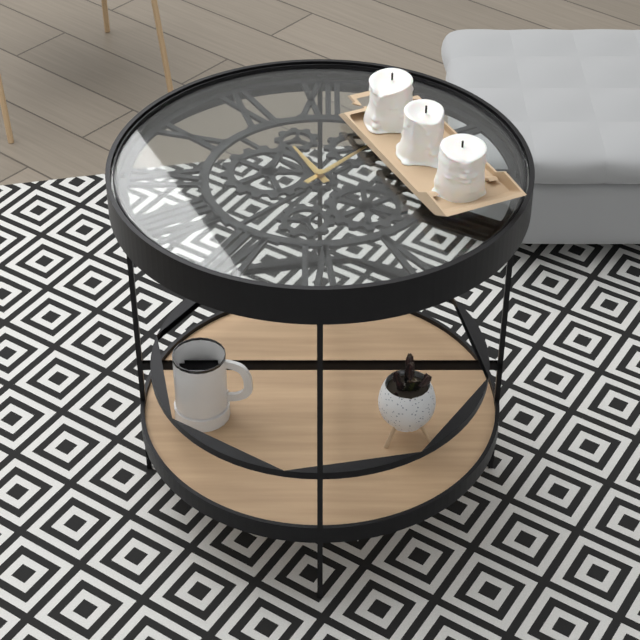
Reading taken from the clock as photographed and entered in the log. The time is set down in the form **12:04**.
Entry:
**11:07**
